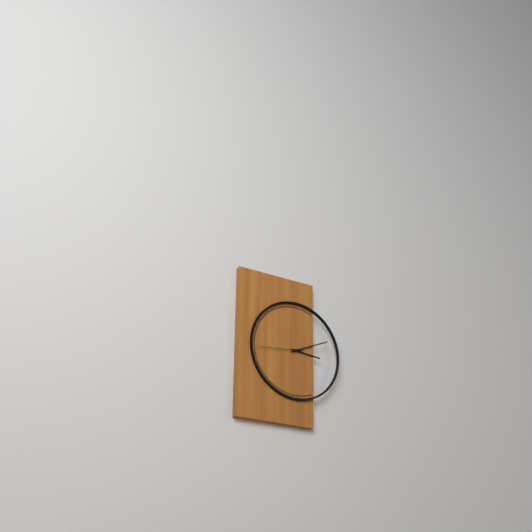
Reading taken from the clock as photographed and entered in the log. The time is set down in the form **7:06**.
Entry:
**3:11**
